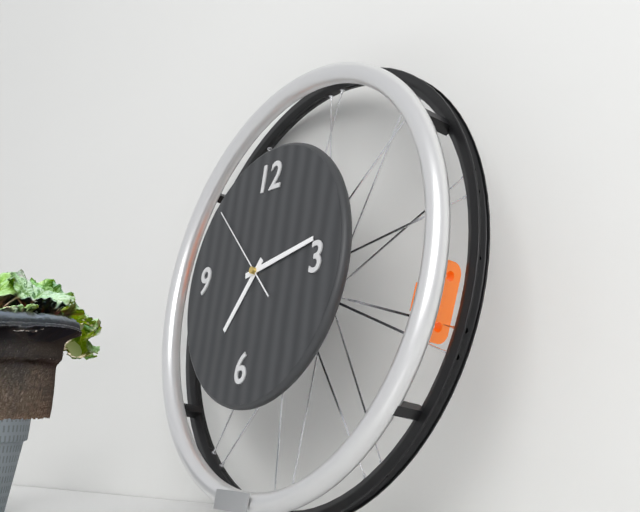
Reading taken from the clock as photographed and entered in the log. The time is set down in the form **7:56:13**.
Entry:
**7:13:52**
